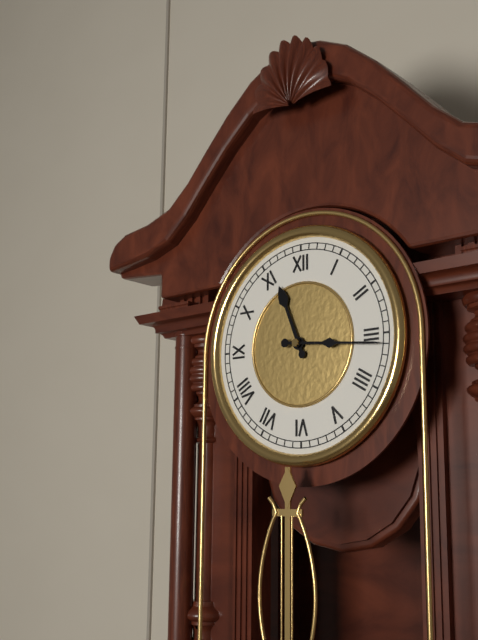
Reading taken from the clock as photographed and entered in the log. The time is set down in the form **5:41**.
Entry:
**11:16**
